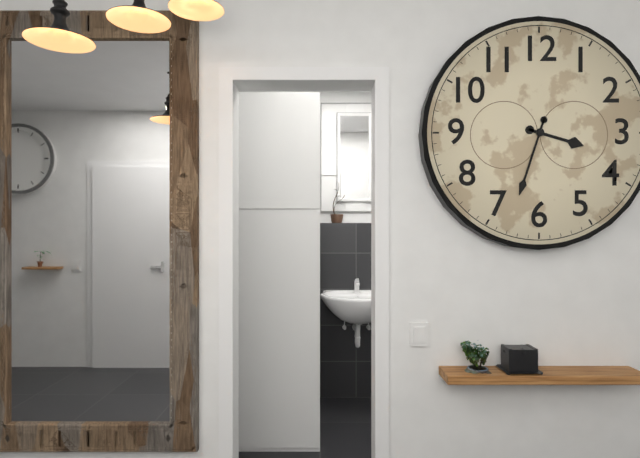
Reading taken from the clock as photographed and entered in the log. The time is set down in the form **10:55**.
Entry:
**3:33**
